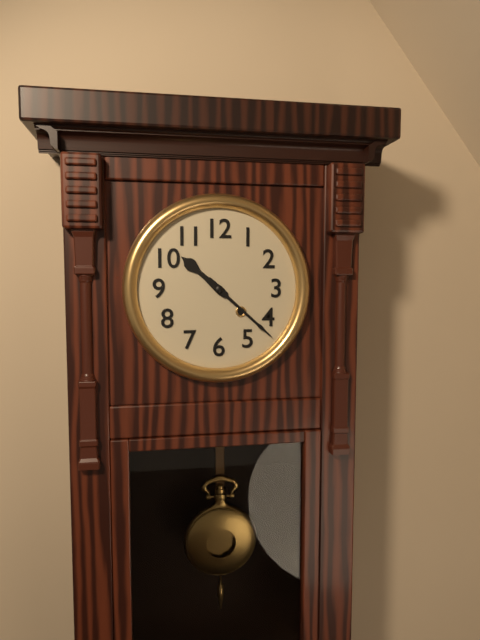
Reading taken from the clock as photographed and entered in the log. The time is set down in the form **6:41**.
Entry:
**10:22**
